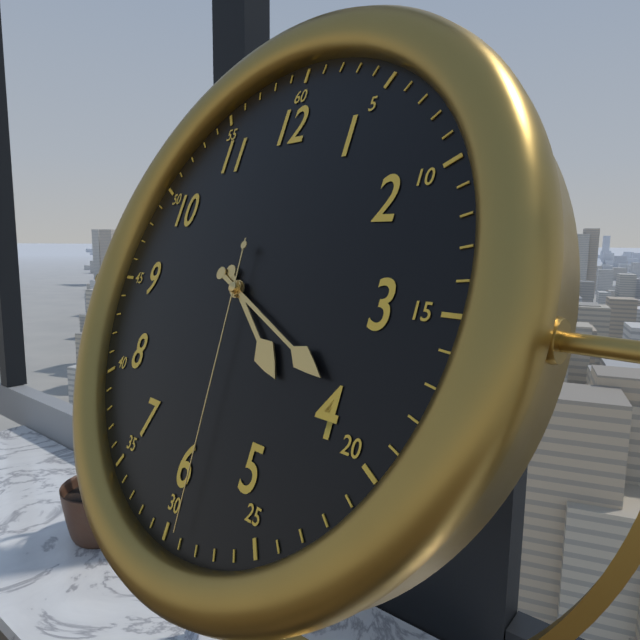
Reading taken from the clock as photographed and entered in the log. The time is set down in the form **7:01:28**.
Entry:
**4:19:29**
